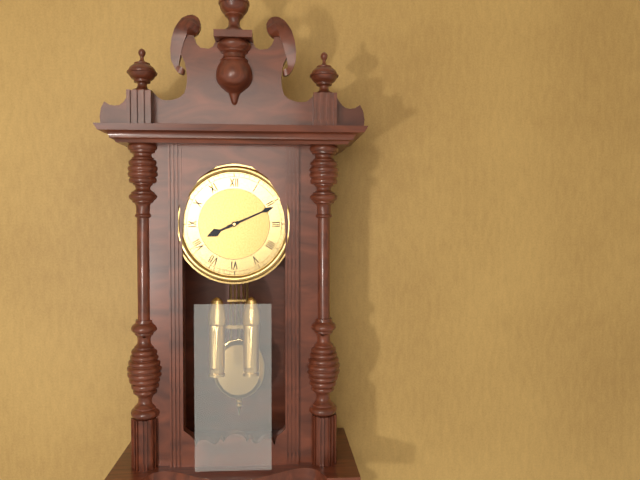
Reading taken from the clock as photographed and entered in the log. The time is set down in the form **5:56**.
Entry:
**8:11**
